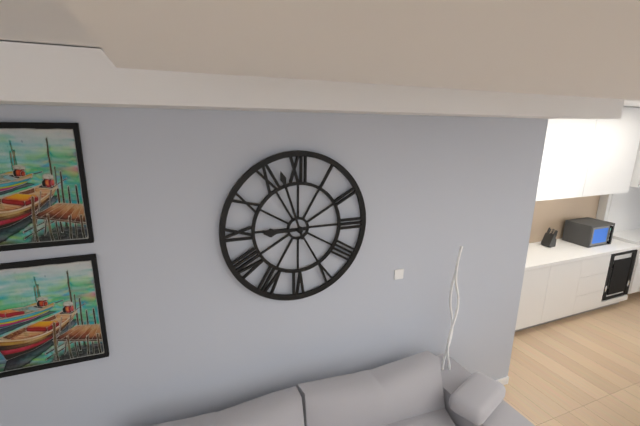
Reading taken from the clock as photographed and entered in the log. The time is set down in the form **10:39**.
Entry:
**8:57**
